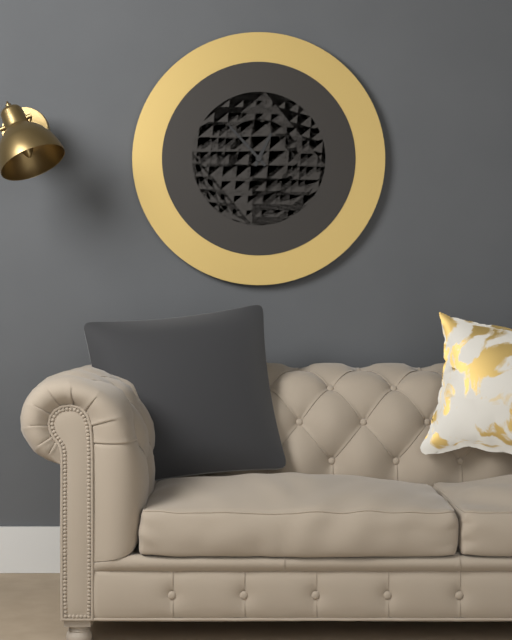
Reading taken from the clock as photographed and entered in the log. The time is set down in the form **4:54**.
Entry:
**12:53**
